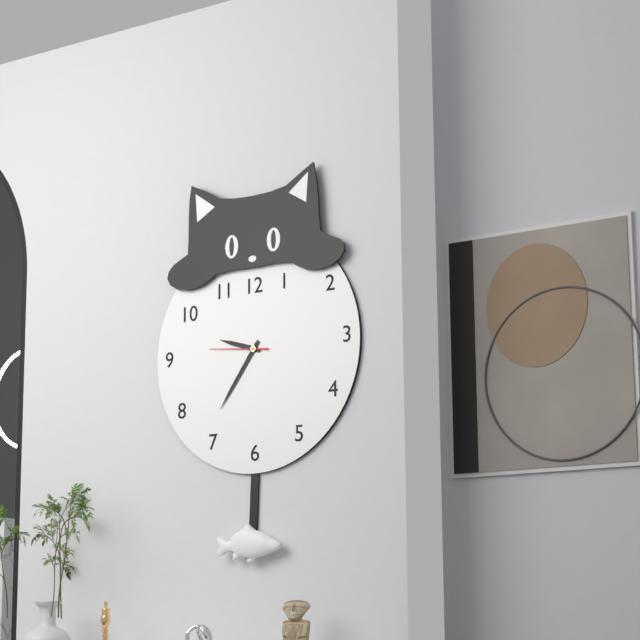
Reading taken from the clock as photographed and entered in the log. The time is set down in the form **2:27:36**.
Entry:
**9:36:46**
